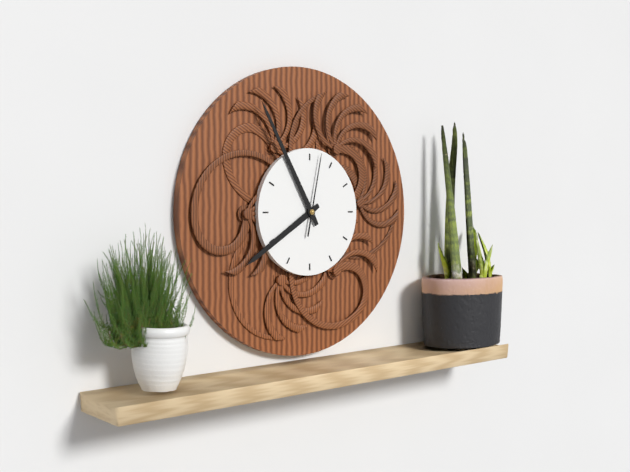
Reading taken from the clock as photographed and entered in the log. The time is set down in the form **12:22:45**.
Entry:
**7:55:02**
